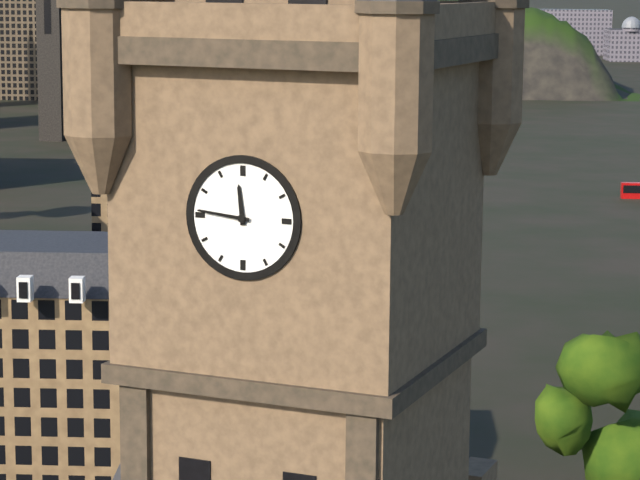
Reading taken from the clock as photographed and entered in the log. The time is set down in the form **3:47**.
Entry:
**11:46**
